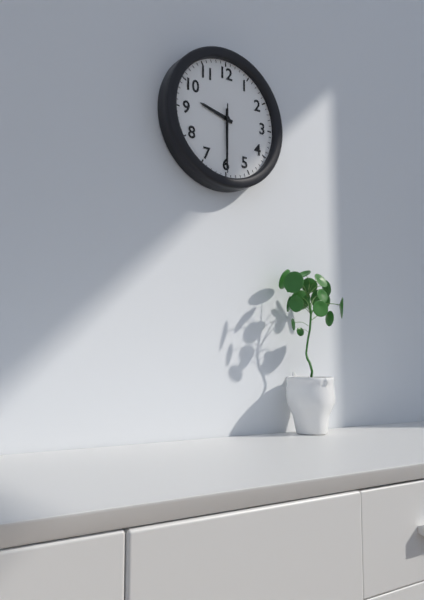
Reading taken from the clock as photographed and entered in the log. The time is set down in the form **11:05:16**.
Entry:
**9:30:30**
